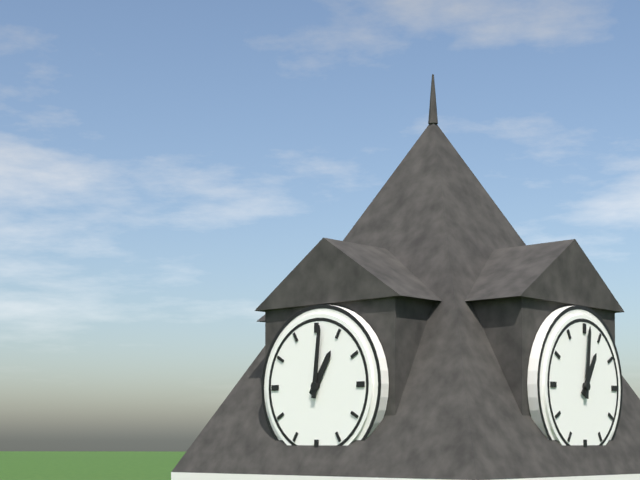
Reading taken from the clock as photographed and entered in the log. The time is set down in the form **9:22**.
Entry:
**1:01**
